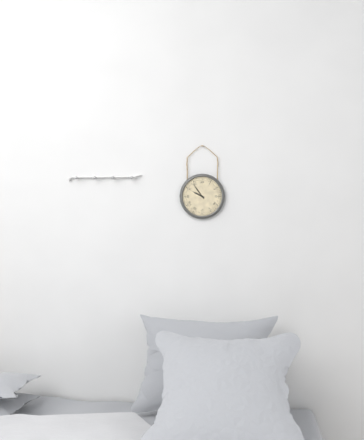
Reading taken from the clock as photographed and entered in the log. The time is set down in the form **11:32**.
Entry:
**9:54**
